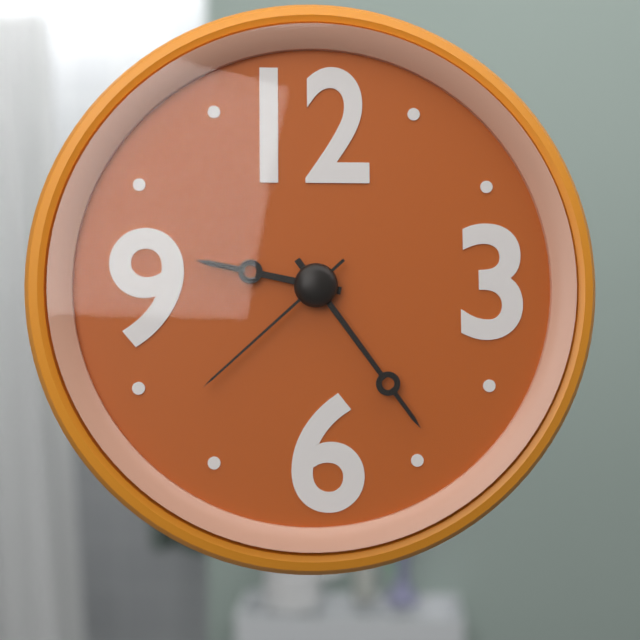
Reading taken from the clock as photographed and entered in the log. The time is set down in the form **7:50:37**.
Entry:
**9:24:38**
